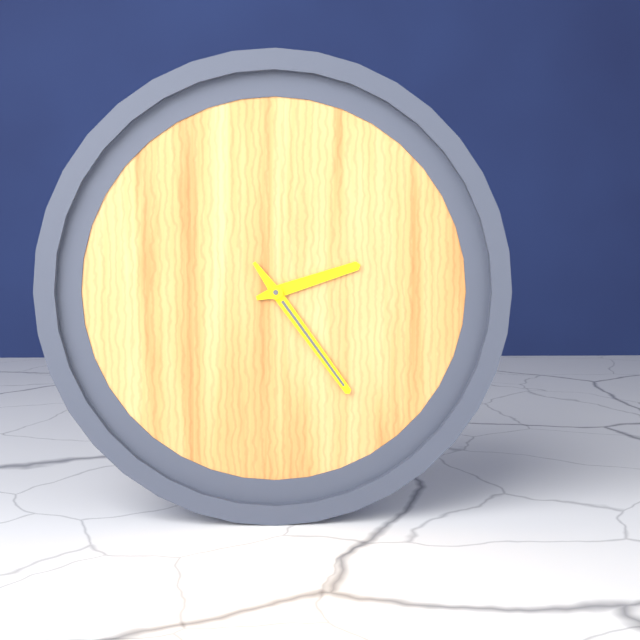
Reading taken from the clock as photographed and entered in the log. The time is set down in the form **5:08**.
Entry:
**2:24**
